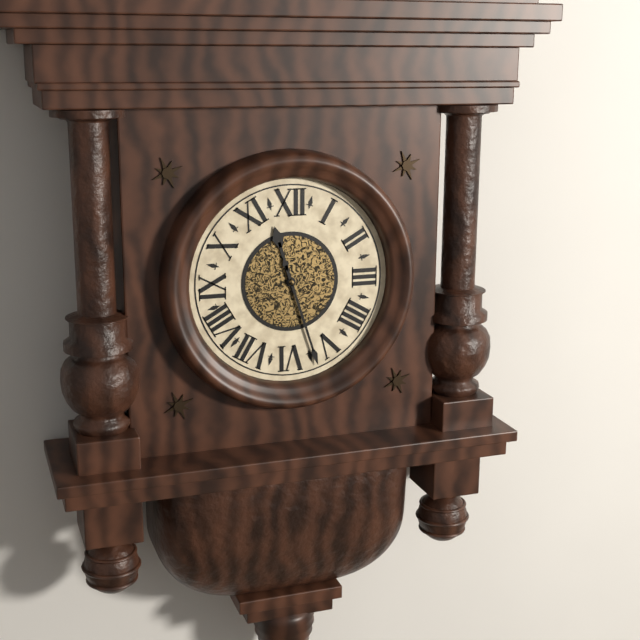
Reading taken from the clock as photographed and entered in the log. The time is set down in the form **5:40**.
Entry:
**11:27**
